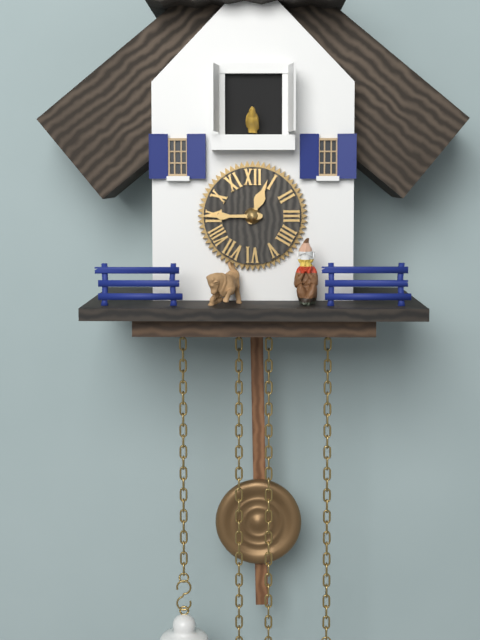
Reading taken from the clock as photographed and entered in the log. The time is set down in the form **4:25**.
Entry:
**12:45**
